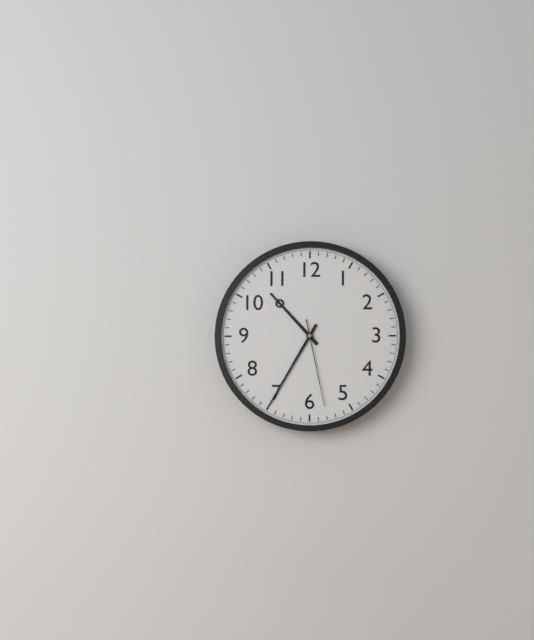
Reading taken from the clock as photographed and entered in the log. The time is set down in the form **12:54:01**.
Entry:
**10:35:28**
